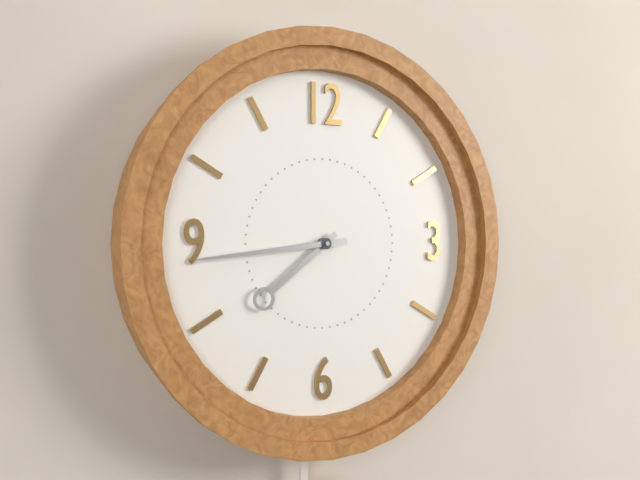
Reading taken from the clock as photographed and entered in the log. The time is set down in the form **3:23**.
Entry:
**7:44**
